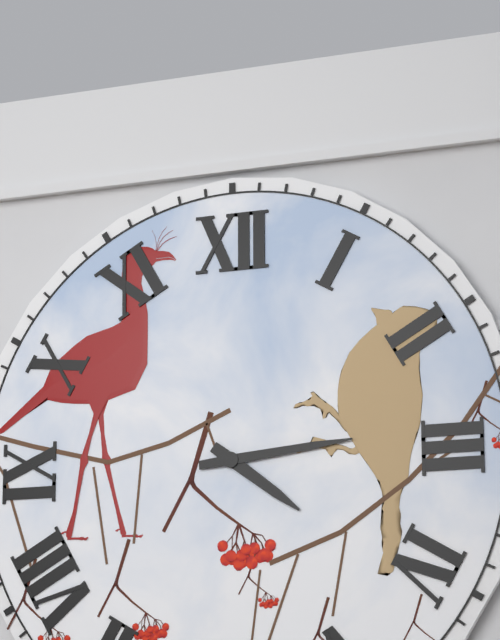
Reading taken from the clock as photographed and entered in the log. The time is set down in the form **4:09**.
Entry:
**4:14**
